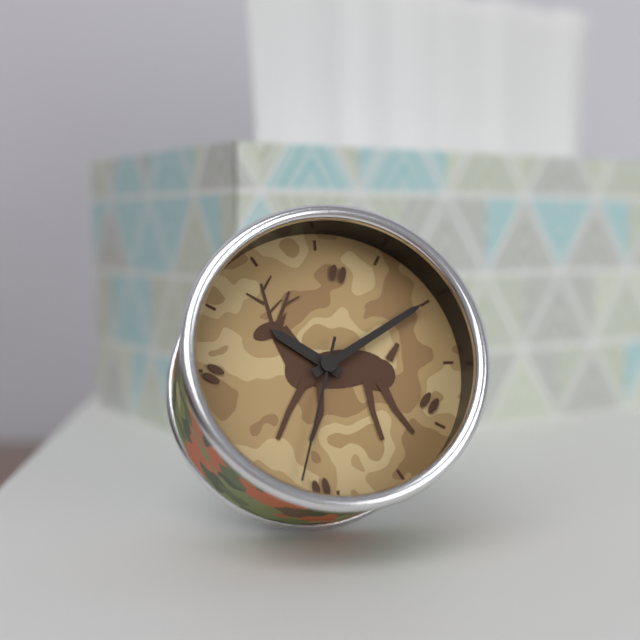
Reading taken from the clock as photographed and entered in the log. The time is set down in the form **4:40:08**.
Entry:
**10:10:33**
